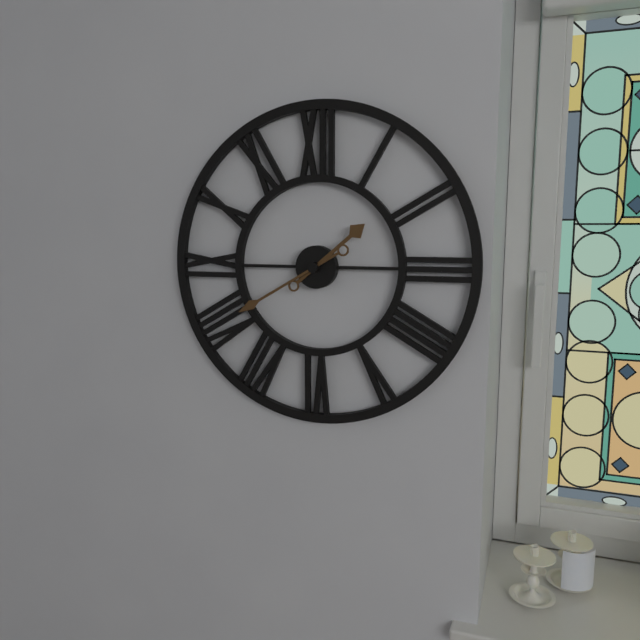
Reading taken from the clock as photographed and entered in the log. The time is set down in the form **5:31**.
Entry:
**1:40**
